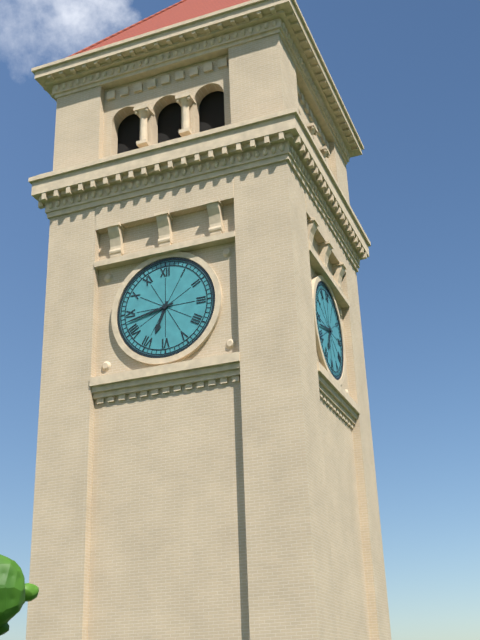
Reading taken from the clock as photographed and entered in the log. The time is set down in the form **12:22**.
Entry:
**6:43**
